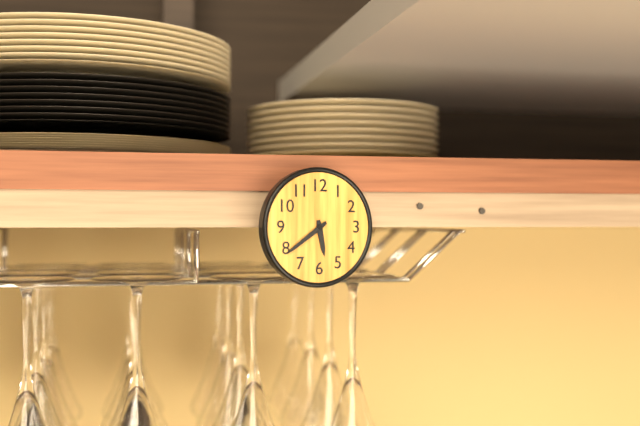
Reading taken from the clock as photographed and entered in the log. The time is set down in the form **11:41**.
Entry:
**5:39**
